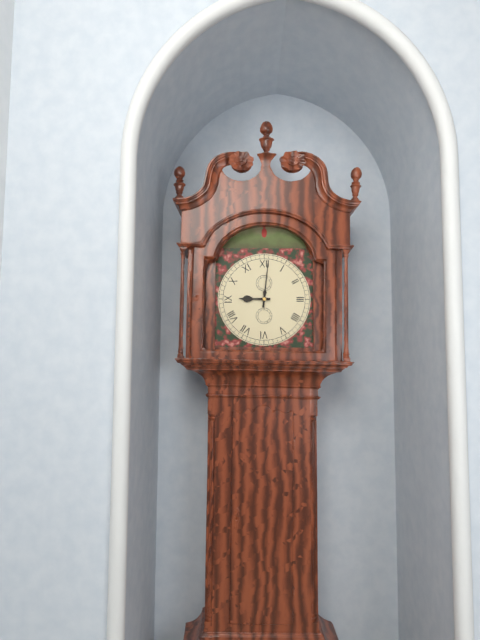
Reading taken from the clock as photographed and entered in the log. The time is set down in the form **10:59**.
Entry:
**9:01**
